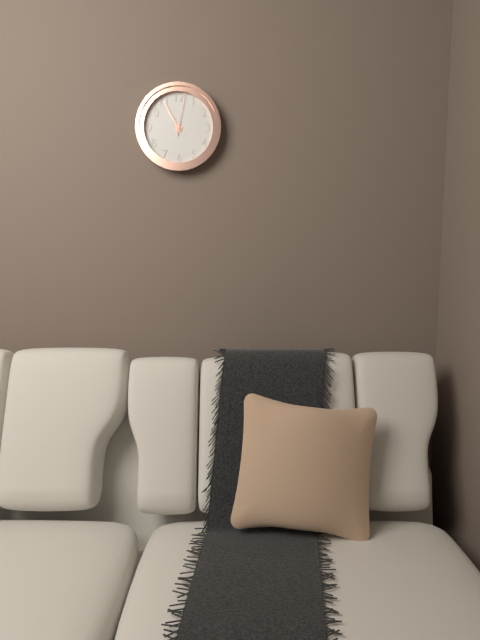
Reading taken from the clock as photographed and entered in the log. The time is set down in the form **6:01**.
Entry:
**10:55**
